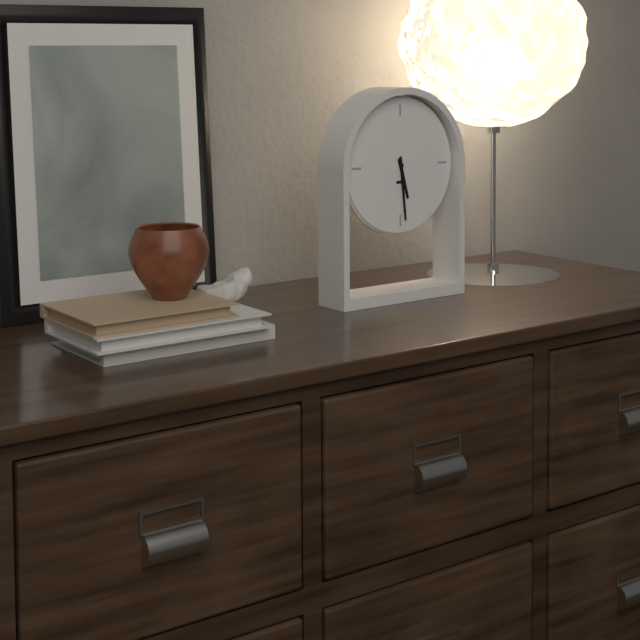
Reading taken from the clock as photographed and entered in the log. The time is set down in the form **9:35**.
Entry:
**5:29**
